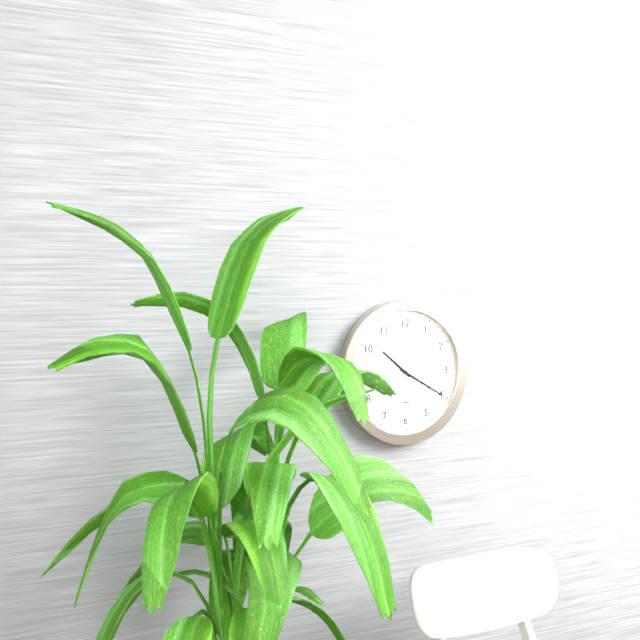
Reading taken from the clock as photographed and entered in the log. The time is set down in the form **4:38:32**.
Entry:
**10:20:36**
